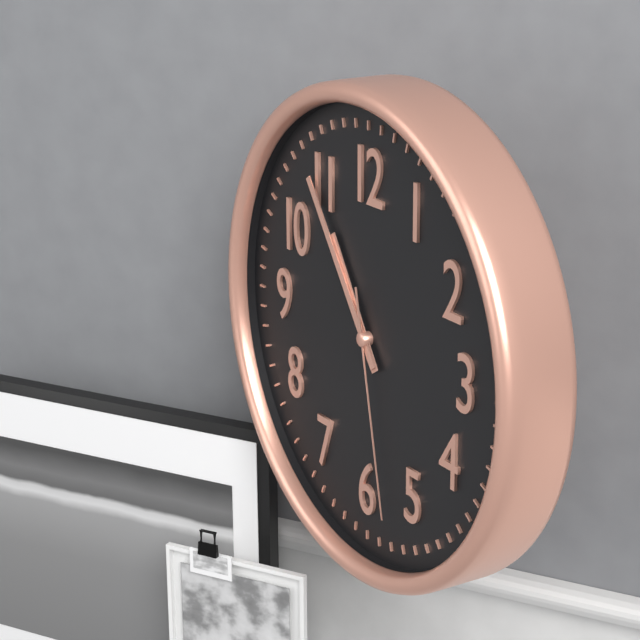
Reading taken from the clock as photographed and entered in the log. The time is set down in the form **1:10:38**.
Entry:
**10:54:28**
